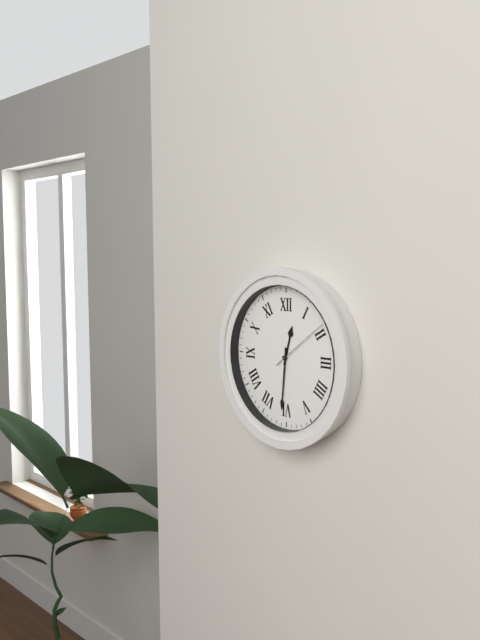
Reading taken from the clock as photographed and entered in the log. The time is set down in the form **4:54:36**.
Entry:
**12:31:09**
